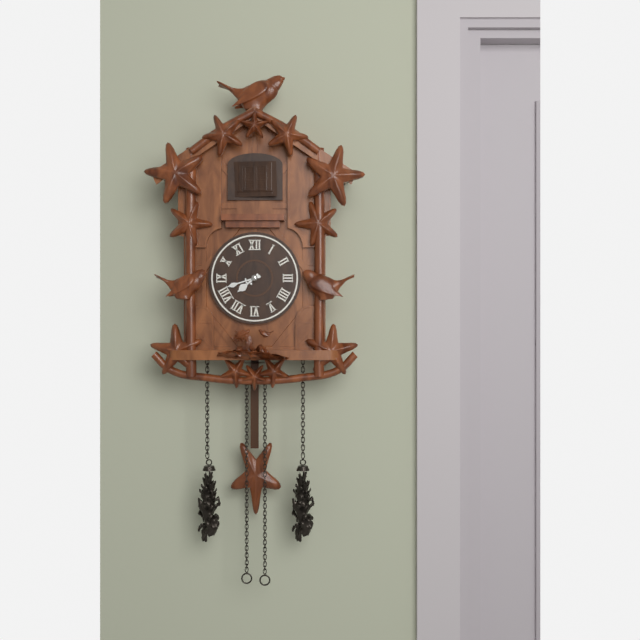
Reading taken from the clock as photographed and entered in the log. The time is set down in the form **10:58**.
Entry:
**7:42**
